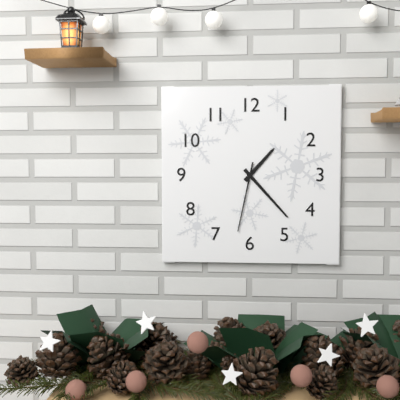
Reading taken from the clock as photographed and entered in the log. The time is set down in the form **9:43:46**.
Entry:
**1:23:32**
